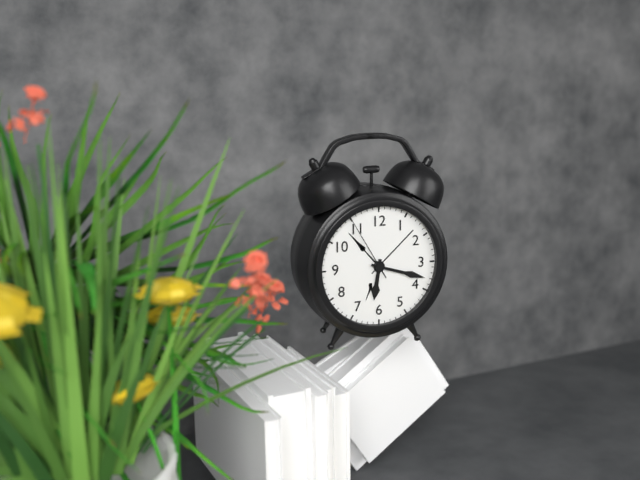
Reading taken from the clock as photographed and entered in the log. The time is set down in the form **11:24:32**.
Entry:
**6:18:55**
